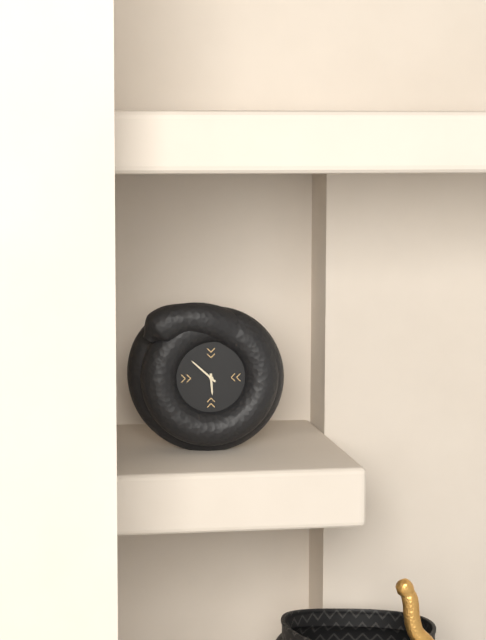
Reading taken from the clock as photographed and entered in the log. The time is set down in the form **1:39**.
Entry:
**5:52**
